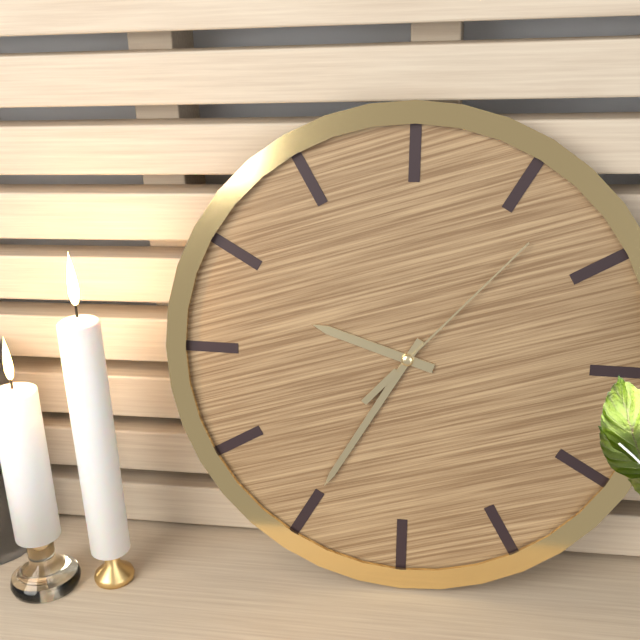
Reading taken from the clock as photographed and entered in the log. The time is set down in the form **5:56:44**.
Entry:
**9:35:07**
